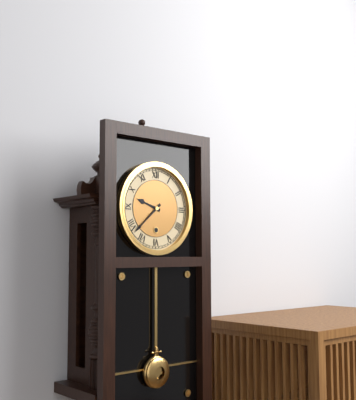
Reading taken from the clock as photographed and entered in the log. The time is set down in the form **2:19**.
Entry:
**9:38**
